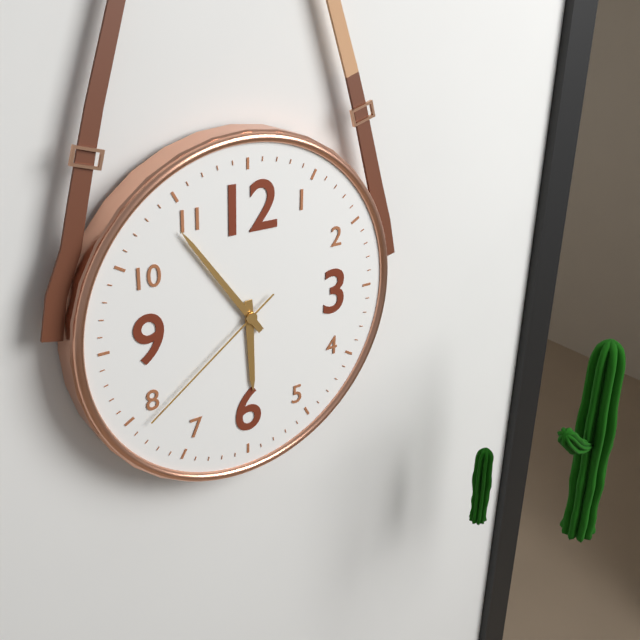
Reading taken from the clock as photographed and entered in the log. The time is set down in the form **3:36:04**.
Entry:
**5:54:39**
